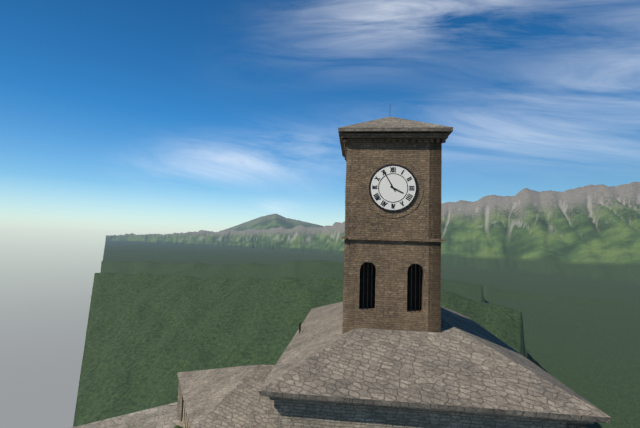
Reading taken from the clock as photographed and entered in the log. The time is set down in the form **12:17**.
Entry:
**3:55**
